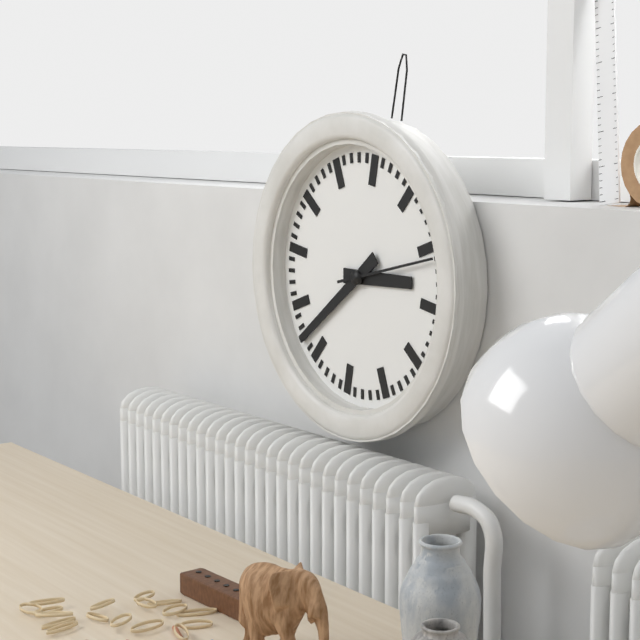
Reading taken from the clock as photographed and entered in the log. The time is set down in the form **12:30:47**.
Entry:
**2:37:11**
